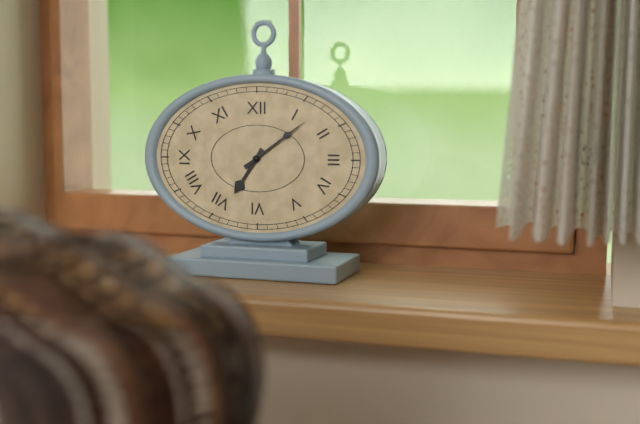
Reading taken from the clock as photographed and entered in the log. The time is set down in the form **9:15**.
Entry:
**7:09**
